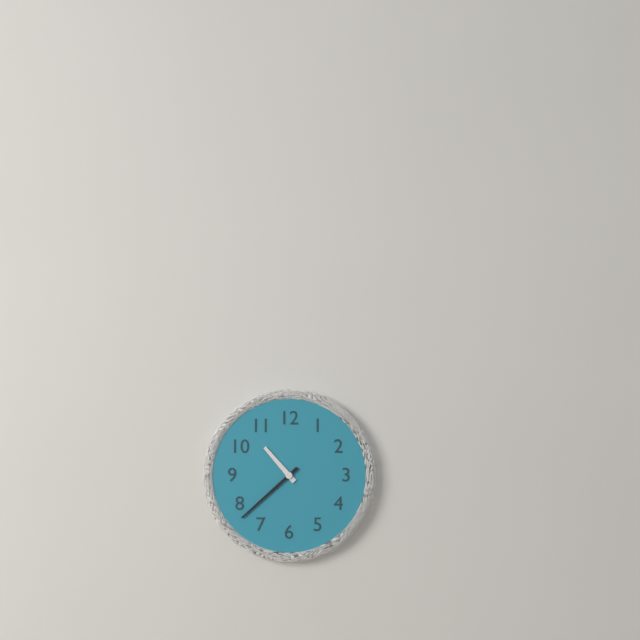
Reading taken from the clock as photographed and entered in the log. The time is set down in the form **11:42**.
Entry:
**10:38**
